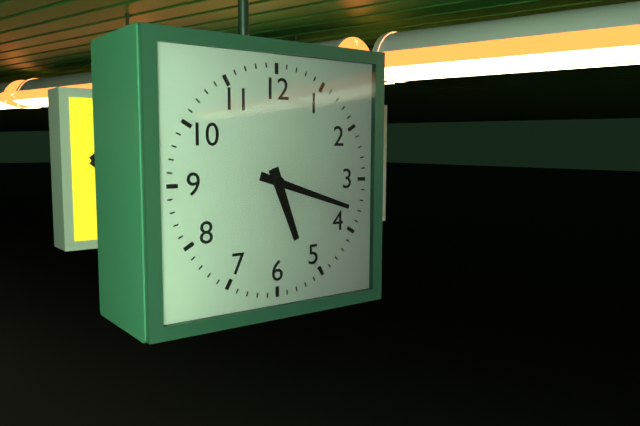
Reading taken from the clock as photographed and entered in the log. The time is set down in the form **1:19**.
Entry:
**5:18**
